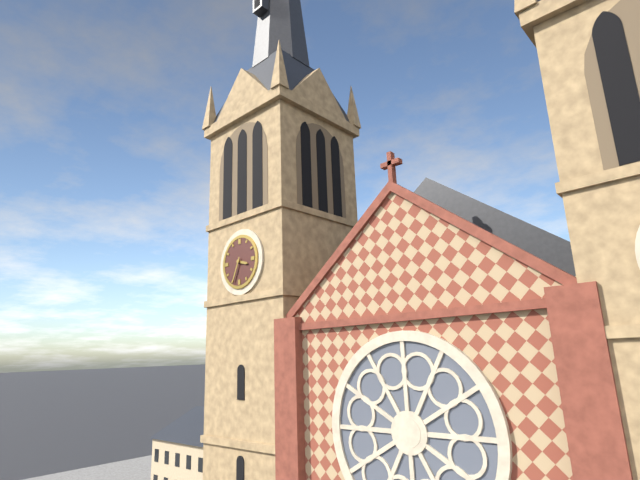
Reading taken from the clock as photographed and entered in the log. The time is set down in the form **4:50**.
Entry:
**3:34**
